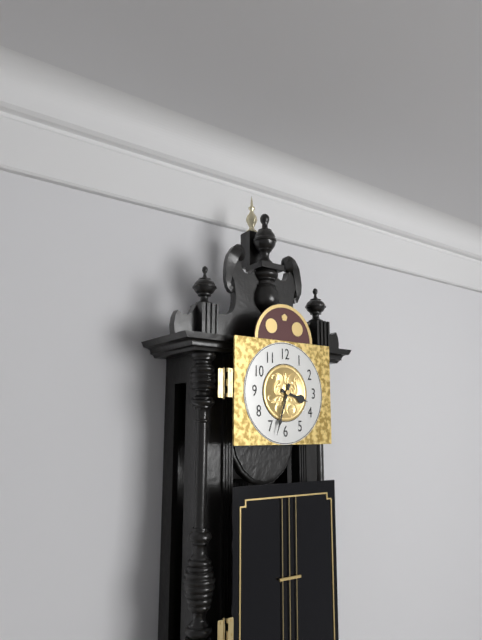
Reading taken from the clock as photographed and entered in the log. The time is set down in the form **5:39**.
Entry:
**3:33**
